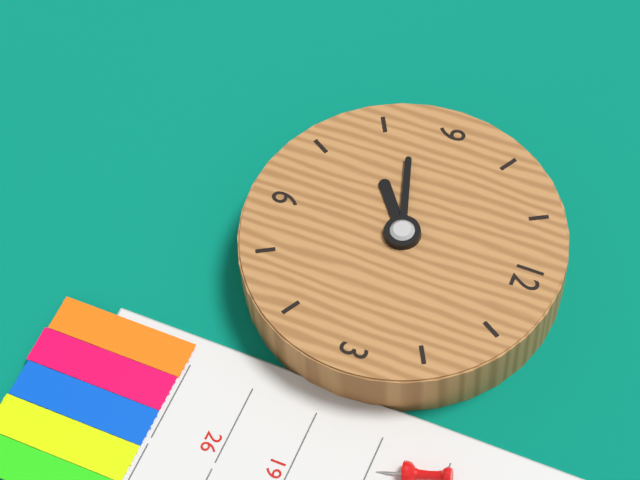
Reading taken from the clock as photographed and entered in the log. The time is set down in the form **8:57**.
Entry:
**7:42**
